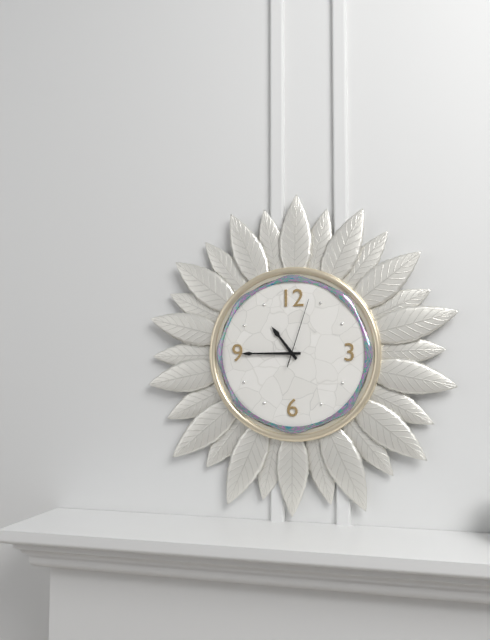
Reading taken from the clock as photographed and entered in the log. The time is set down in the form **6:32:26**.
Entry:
**10:45:03**
